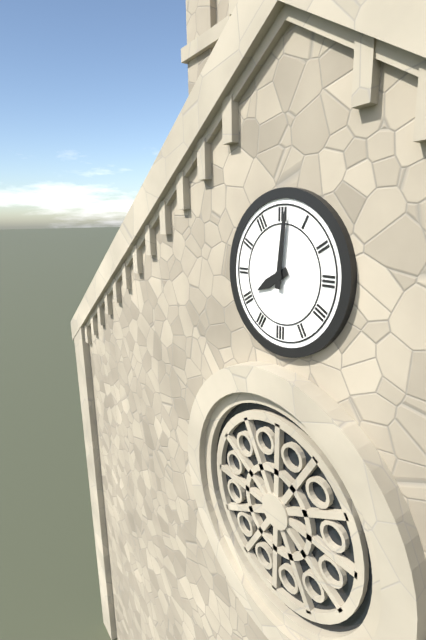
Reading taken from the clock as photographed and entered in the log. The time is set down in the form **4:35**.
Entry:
**8:01**
